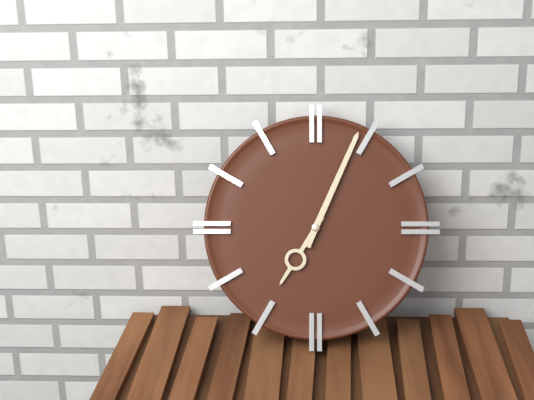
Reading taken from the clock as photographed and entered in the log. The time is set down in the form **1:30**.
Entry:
**7:04**
